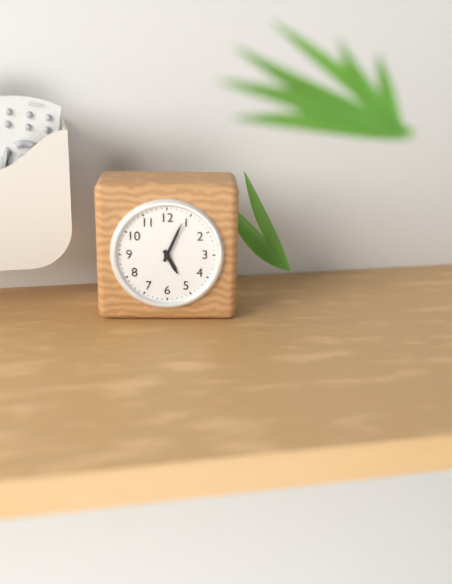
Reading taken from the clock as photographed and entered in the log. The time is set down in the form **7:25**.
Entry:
**5:04**
